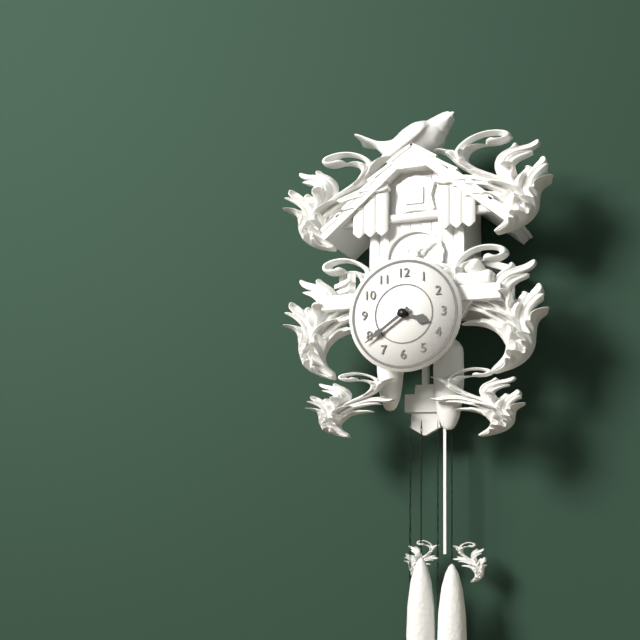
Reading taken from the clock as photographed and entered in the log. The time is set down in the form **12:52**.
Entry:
**3:39**
